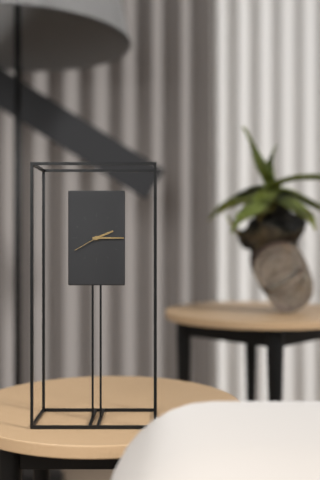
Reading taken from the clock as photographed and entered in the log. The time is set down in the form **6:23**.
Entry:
**2:15**
